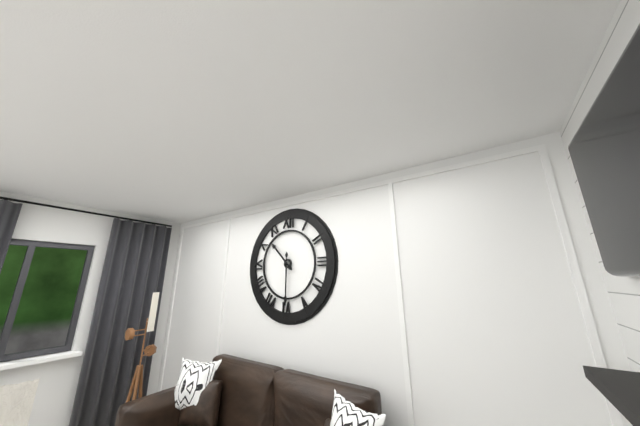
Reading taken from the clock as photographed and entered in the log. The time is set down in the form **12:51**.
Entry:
**10:30**
